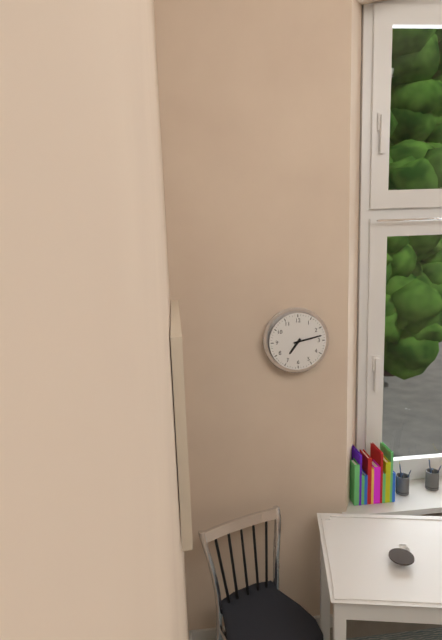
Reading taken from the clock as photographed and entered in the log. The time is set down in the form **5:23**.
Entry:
**7:13**
